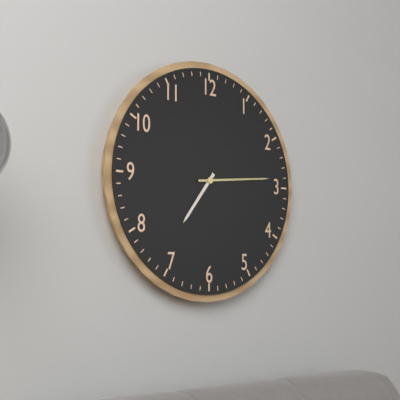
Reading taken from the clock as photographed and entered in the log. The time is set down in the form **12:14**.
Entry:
**7:14**
